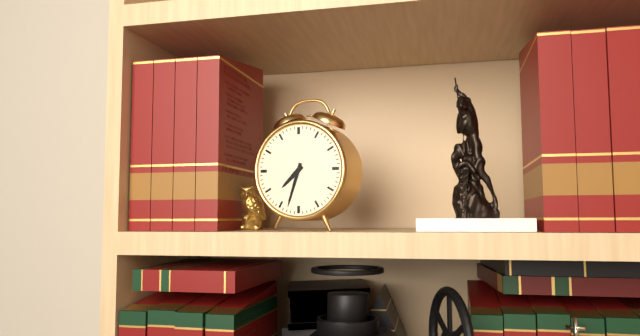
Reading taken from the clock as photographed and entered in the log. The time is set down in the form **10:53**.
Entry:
**7:33**
